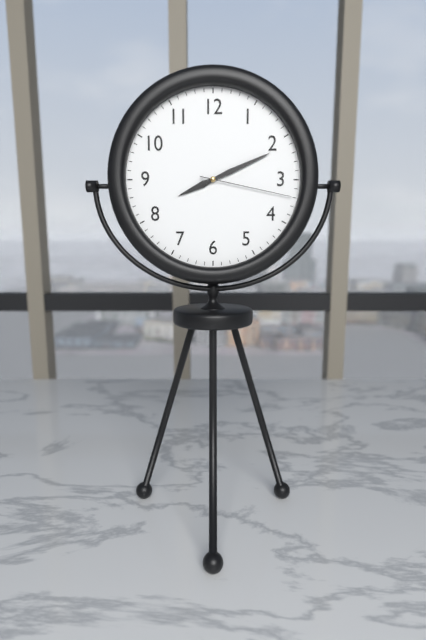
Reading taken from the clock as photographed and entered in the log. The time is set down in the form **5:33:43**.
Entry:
**8:11:17**
